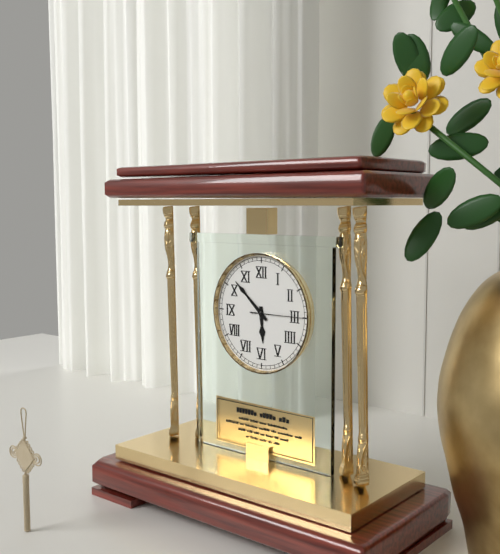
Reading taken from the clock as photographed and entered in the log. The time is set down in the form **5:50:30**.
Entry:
**5:52:15**
